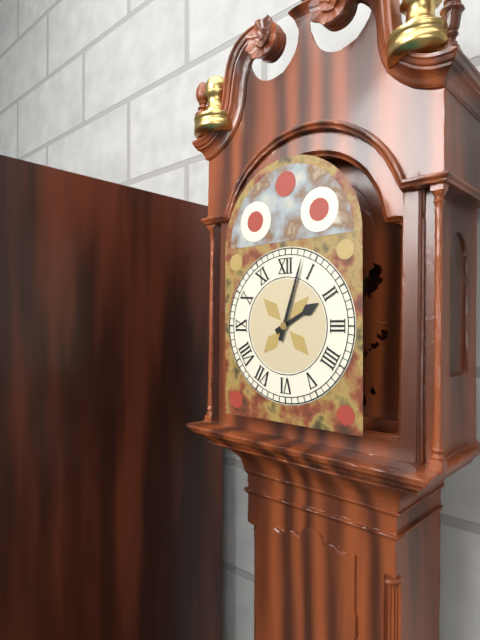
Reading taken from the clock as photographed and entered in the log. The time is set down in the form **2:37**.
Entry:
**2:03**
